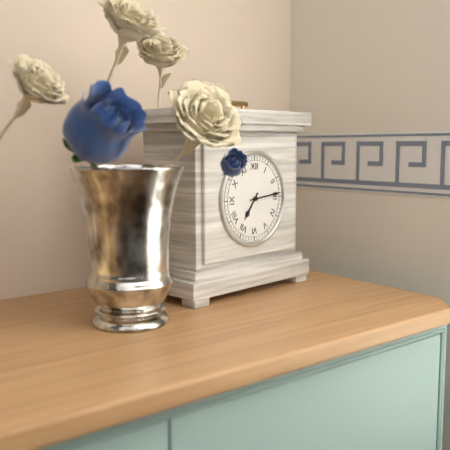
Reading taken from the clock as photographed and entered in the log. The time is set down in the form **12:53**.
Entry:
**7:14**
